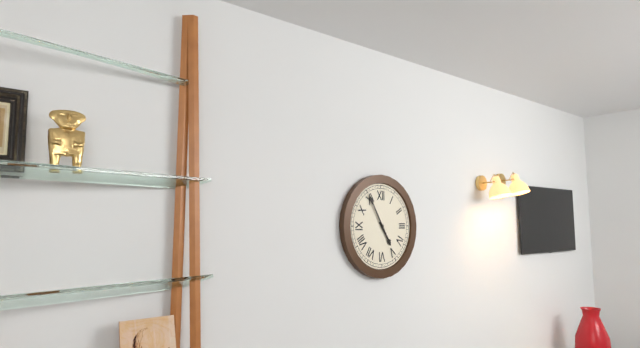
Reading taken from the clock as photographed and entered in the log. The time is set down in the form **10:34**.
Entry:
**4:55**
